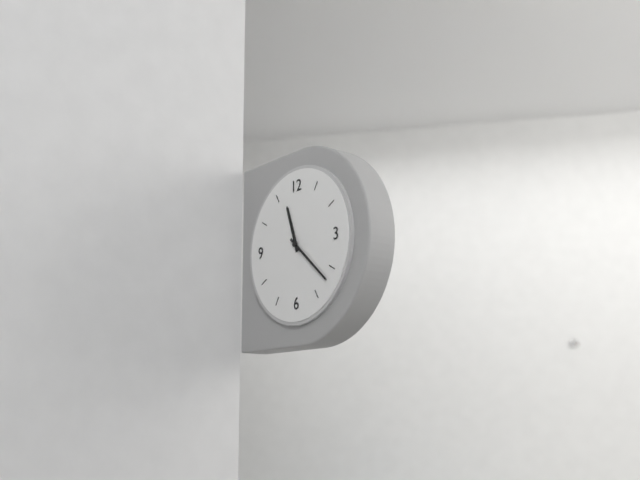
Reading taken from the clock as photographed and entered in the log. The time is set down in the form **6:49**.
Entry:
**11:22**
